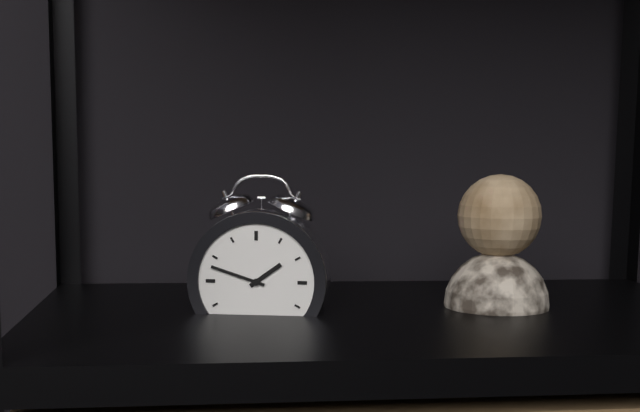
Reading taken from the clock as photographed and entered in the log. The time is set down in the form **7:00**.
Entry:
**1:48**
